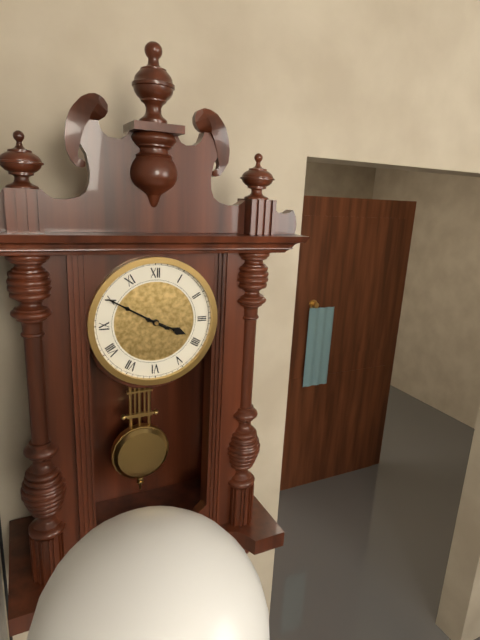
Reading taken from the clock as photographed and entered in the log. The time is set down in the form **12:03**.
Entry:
**3:50**
